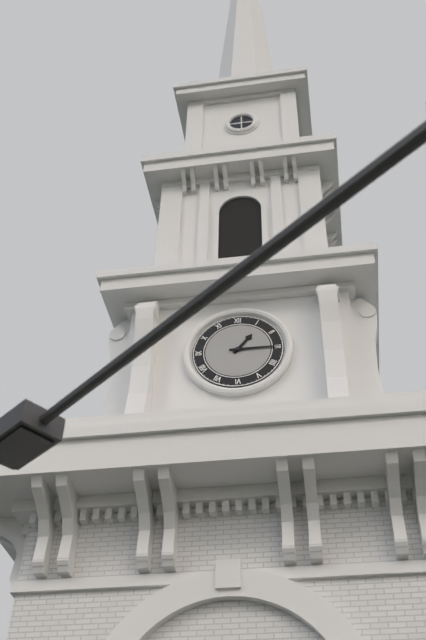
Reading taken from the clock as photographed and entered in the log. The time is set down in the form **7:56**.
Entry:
**1:15**
